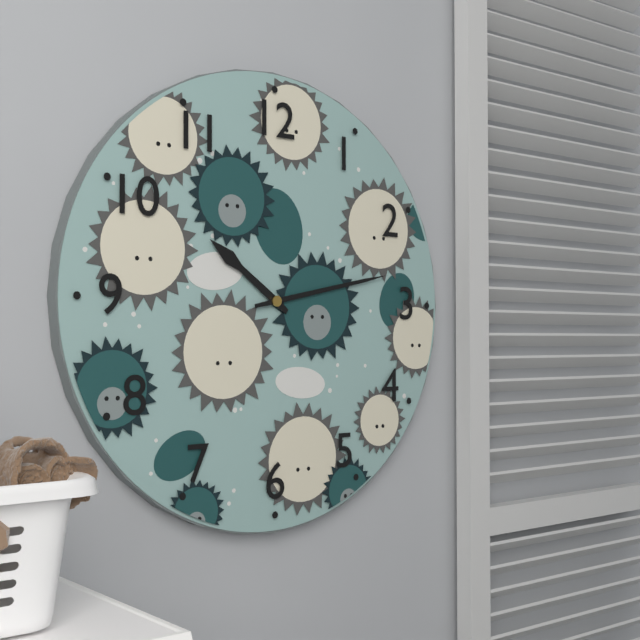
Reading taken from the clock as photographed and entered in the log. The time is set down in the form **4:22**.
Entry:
**10:13**
